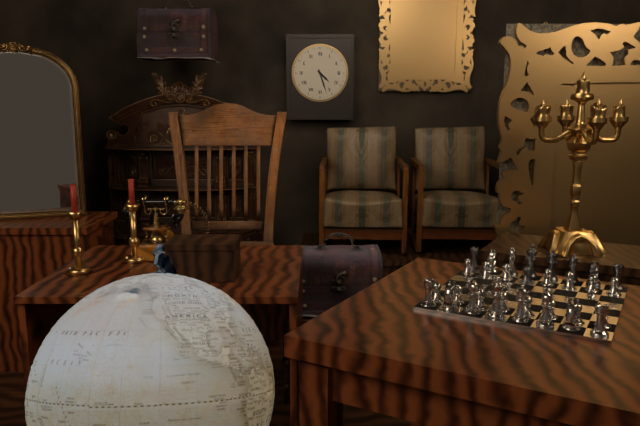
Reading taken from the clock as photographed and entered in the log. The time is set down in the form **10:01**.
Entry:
**4:27**
